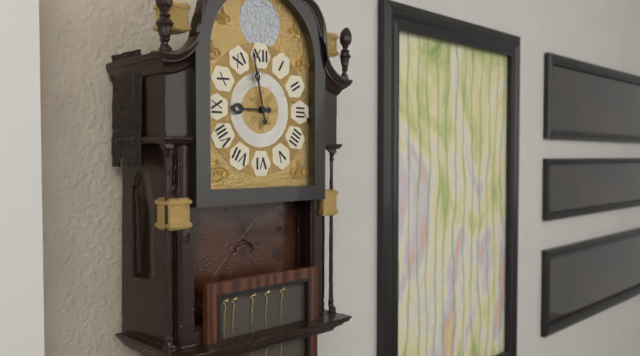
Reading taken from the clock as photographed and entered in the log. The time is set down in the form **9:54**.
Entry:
**8:58**
